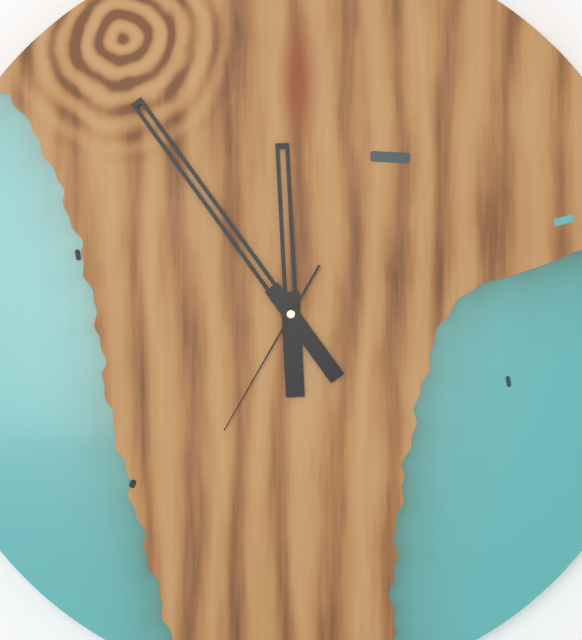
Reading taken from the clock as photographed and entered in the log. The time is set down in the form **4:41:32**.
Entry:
**11:54:35**
